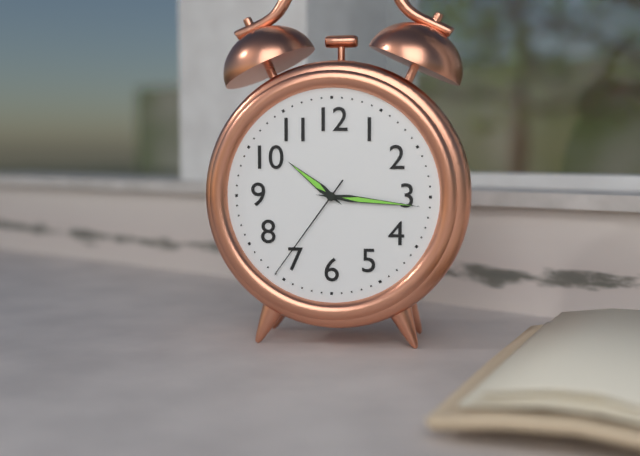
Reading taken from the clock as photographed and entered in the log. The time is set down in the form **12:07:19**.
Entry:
**10:16:36**
